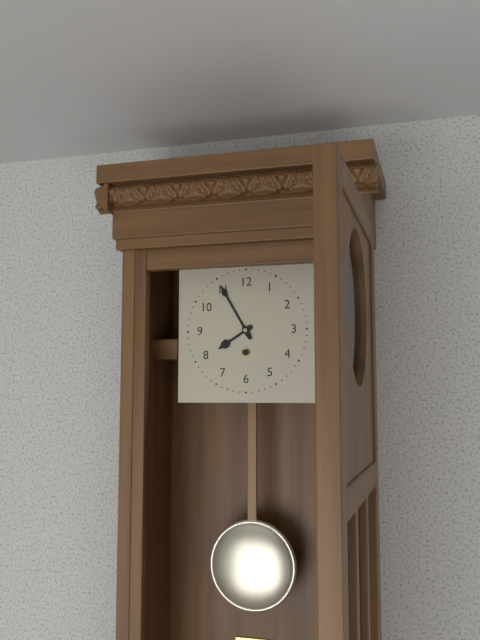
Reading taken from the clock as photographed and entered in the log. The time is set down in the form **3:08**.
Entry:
**7:55**
